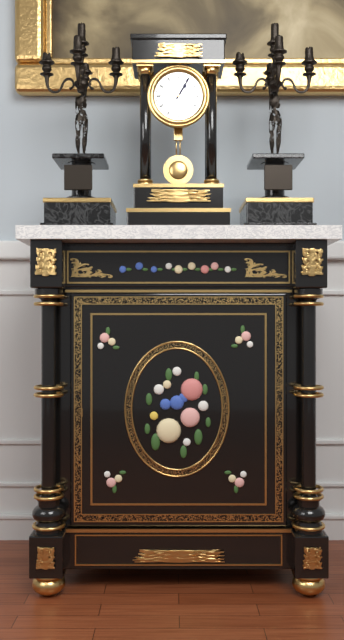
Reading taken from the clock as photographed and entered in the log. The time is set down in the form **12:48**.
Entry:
**1:05**
